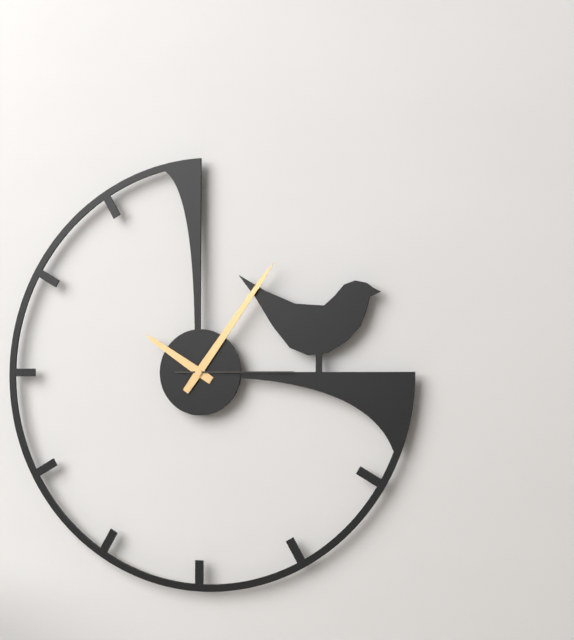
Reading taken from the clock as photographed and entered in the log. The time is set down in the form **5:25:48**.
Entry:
**10:06:15**
